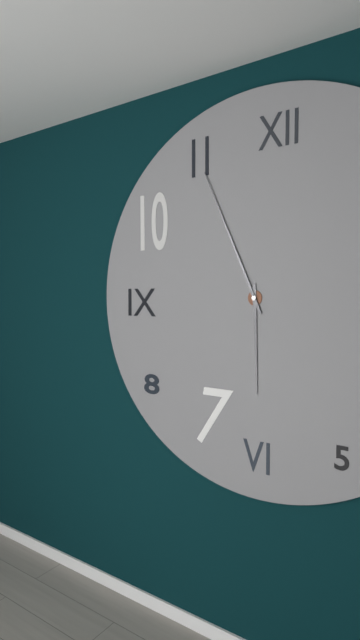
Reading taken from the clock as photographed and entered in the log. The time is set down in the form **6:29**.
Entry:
**5:56**
